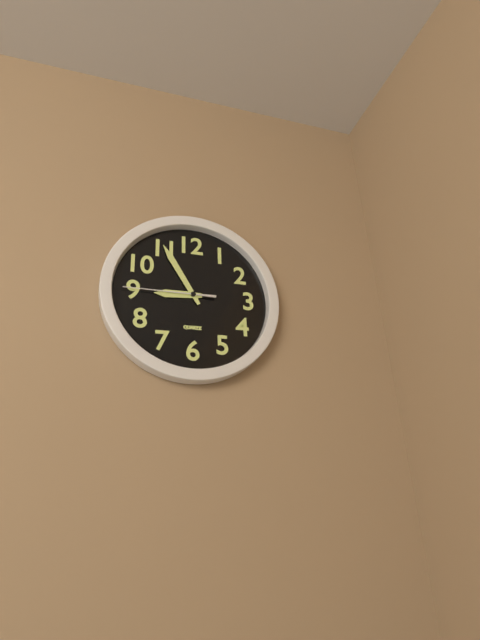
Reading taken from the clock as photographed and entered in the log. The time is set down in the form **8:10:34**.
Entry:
**8:55:45**
